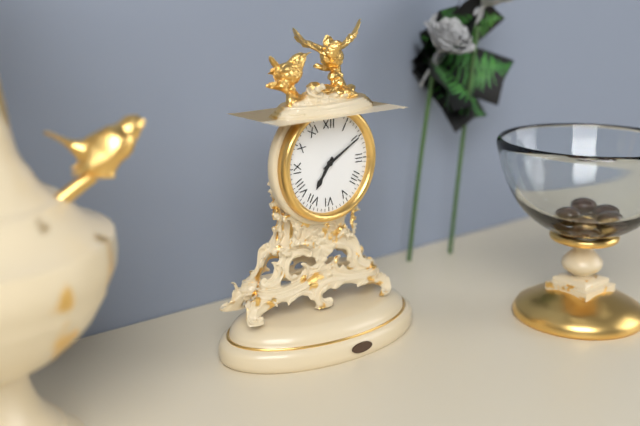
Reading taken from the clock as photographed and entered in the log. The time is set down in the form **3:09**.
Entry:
**7:10**
